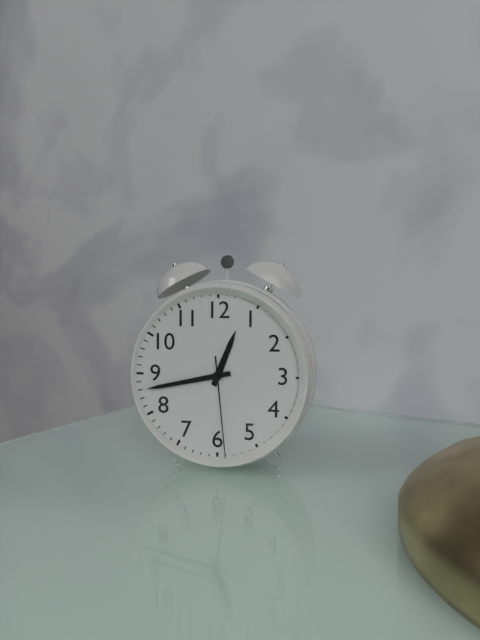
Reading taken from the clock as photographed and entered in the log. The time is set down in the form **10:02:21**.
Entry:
**12:43:29**
